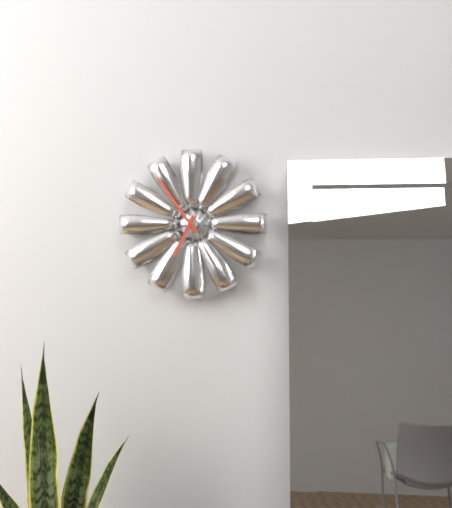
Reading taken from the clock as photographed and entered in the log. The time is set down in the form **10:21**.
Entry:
**6:54**
